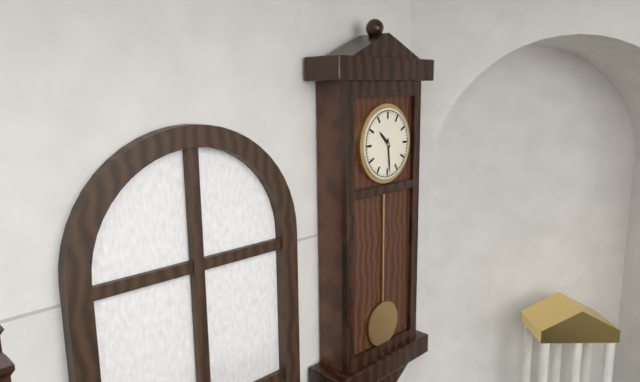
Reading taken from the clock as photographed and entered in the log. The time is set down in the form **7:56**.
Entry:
**10:29**
